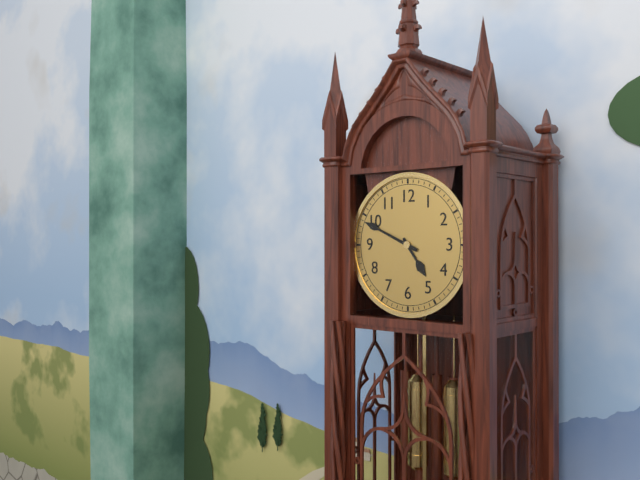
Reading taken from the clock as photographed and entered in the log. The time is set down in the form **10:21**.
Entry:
**4:49**
